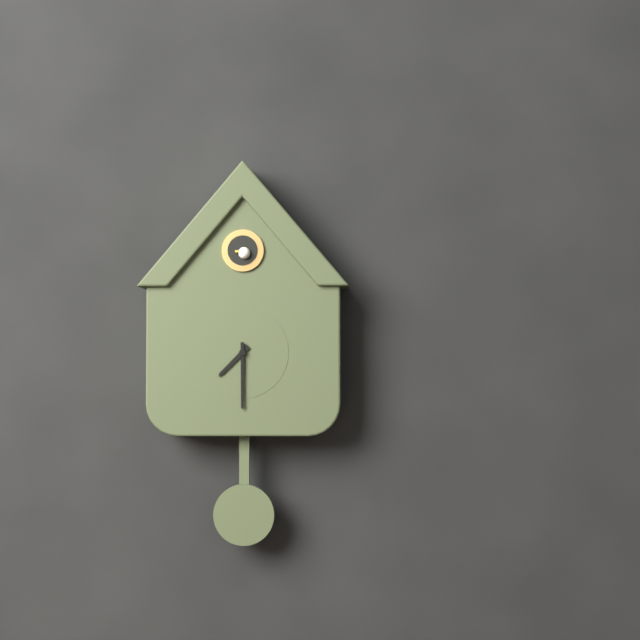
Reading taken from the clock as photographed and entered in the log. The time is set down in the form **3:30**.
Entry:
**7:30**
